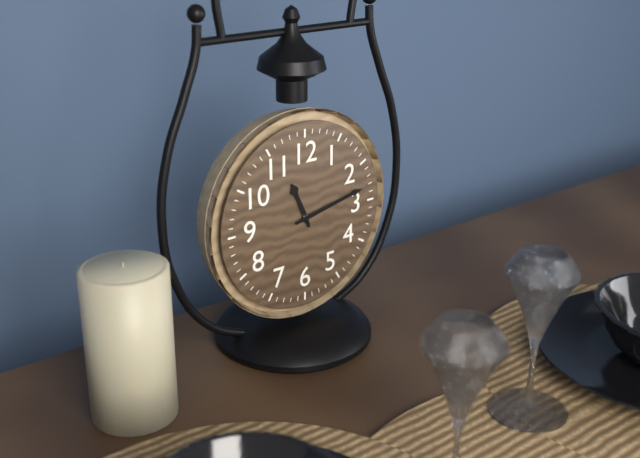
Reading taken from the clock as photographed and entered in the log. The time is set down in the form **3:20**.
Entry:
**11:13**
